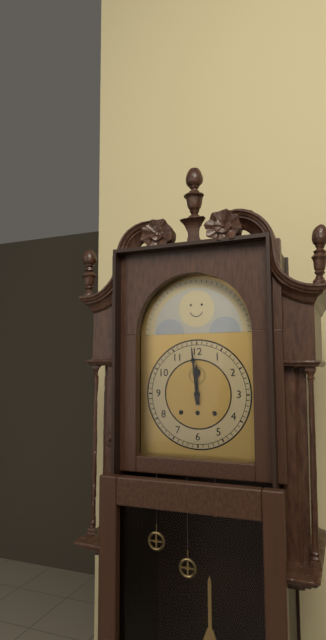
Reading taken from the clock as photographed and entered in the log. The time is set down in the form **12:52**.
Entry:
**11:59**
